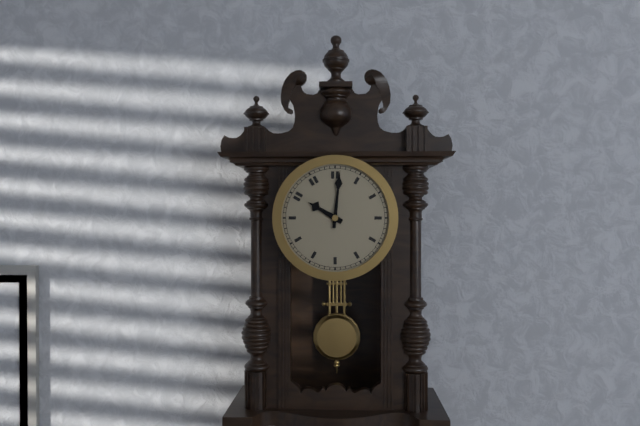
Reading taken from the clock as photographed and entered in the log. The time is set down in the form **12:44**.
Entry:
**10:01**
